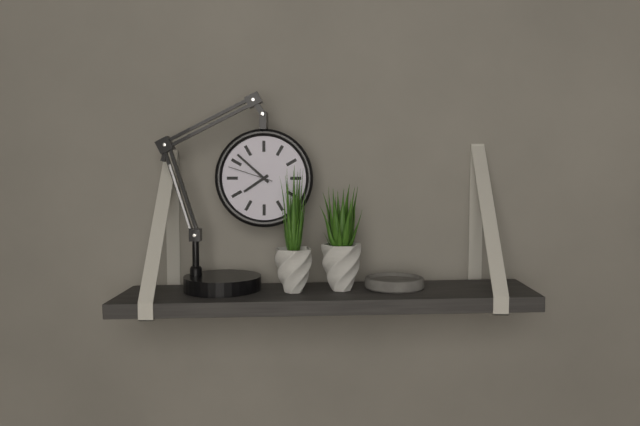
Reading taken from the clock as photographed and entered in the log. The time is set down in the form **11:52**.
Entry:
**7:52**
